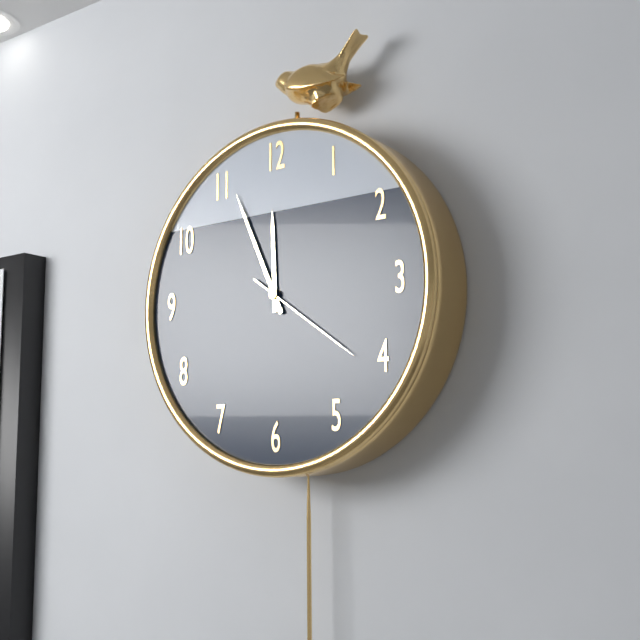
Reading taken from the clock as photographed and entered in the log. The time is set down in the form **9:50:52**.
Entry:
**11:56:21**
